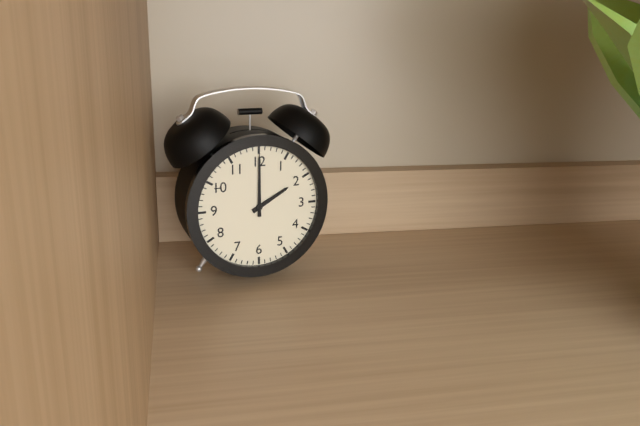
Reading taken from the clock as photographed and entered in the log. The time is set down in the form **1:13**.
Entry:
**2:00**
